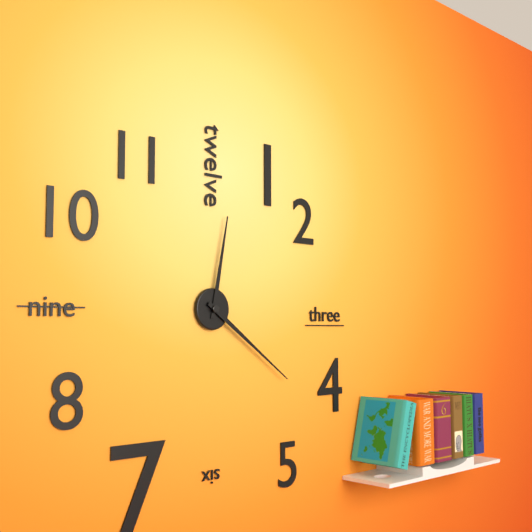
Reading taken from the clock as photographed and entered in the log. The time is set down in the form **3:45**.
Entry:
**12:21**
